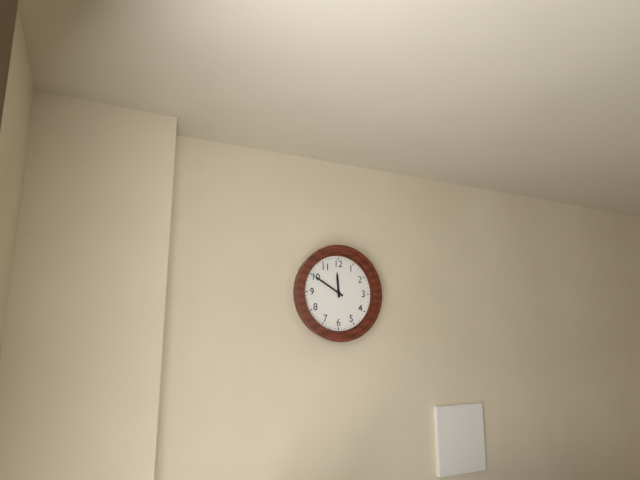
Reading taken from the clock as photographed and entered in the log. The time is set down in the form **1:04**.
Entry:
**11:50**
